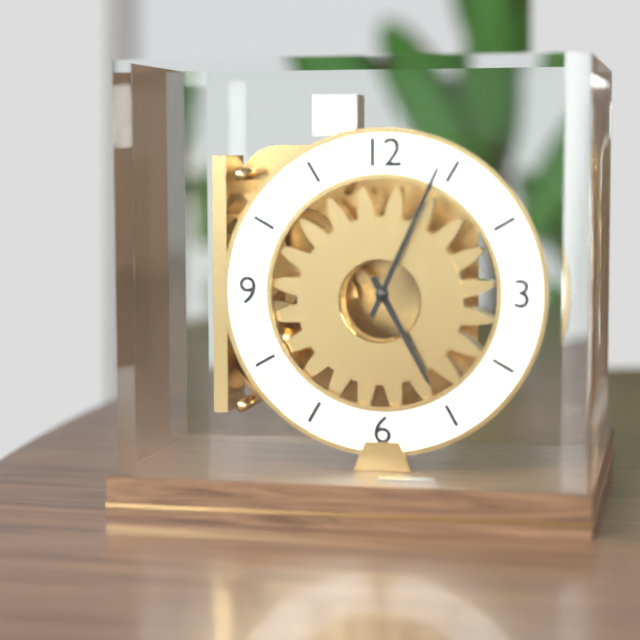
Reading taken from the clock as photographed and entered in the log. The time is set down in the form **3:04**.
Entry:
**5:04**
